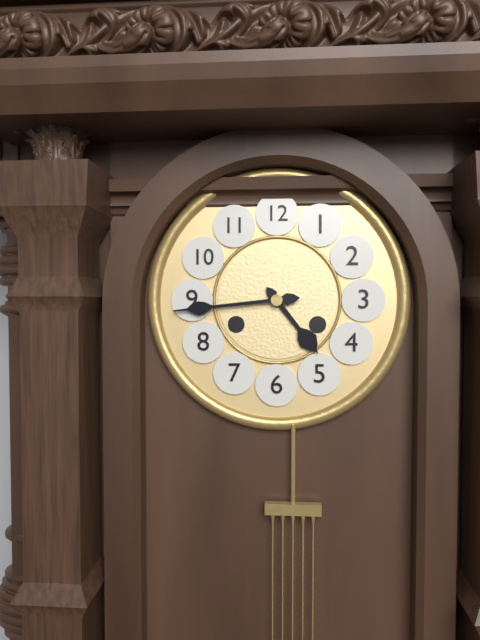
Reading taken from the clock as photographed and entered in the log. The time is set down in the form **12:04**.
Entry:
**4:44**
